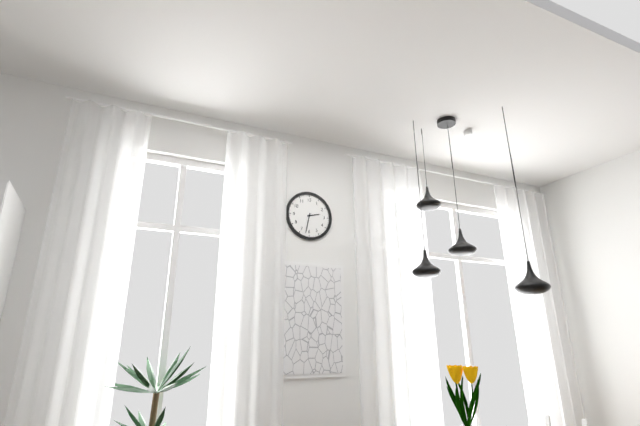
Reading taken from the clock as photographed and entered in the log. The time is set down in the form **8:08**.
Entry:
**2:32**
